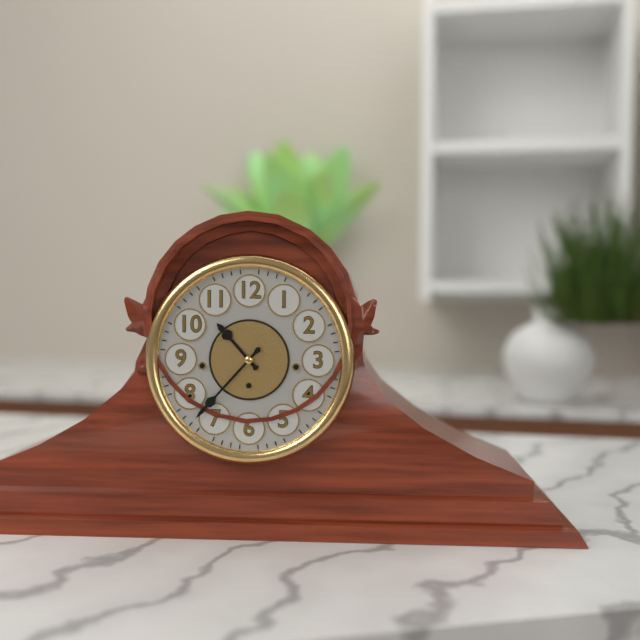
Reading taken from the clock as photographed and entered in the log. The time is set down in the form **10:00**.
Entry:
**10:37**
